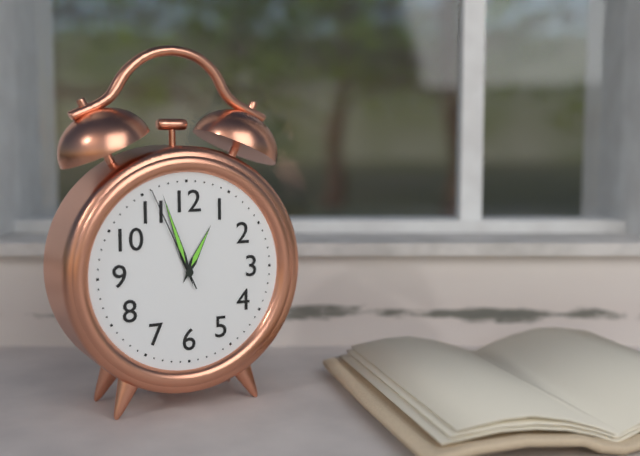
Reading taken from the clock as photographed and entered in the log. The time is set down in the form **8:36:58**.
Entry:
**12:57:56**
